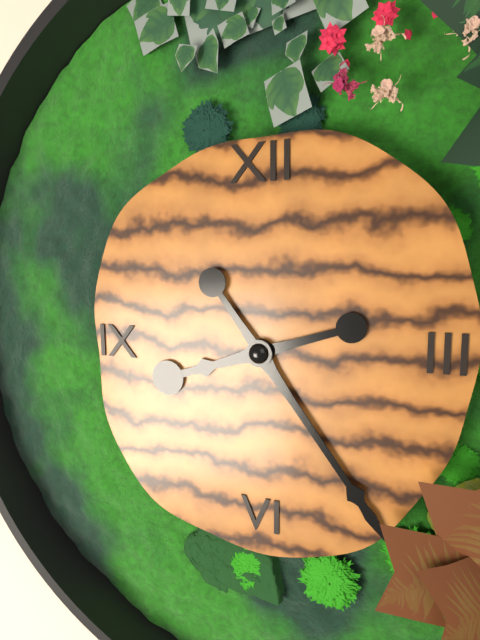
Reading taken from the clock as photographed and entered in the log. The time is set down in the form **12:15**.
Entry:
**8:24**
